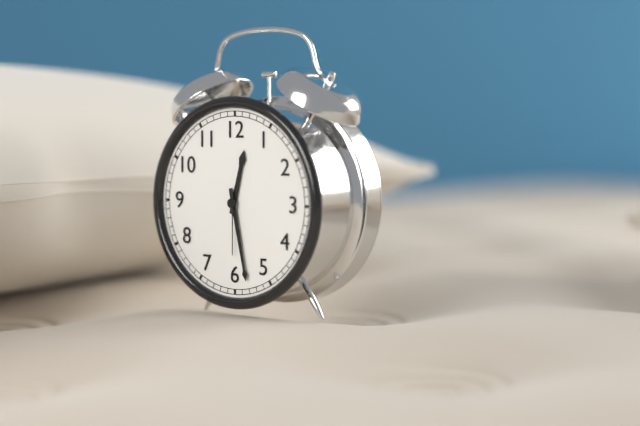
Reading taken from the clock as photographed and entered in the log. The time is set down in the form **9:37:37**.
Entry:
**12:28:30**
